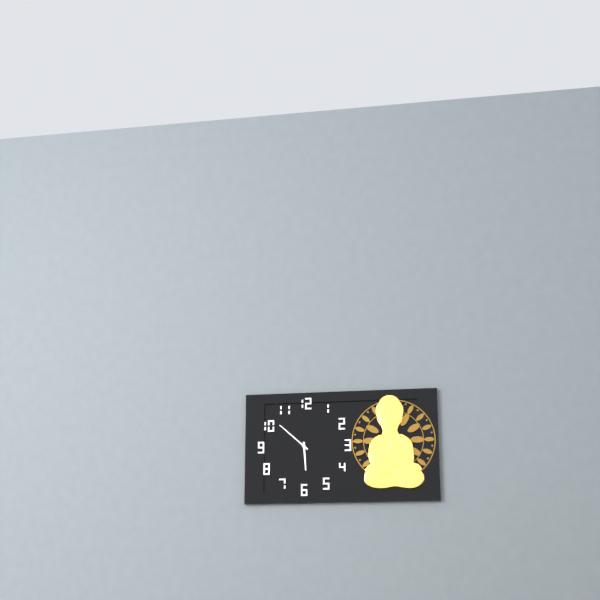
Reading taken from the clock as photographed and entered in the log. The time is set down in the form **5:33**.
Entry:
**5:52**
